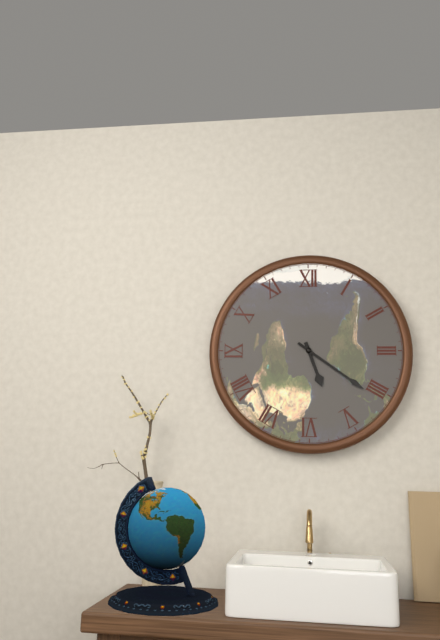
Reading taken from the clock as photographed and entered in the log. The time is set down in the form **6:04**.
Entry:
**5:21**
